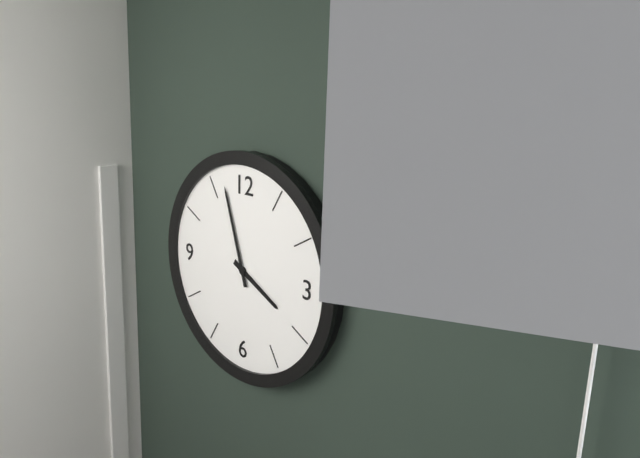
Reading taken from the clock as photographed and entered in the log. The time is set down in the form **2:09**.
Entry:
**3:57**
